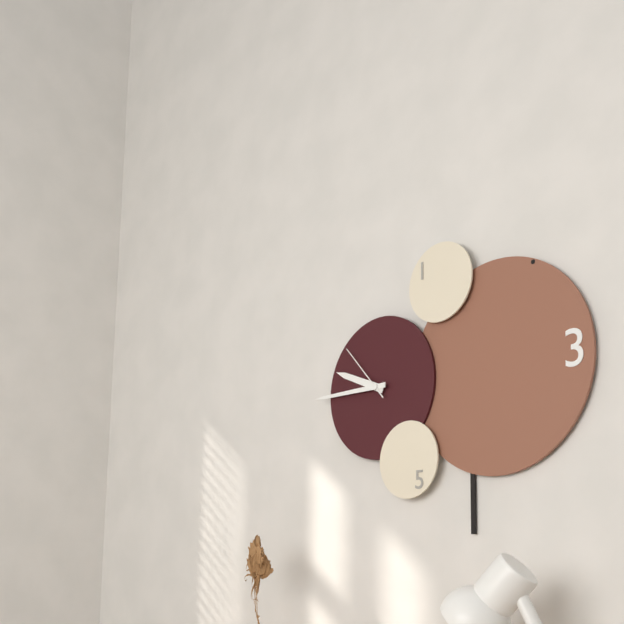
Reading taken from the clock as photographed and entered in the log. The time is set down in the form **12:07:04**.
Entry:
**9:45:53**
